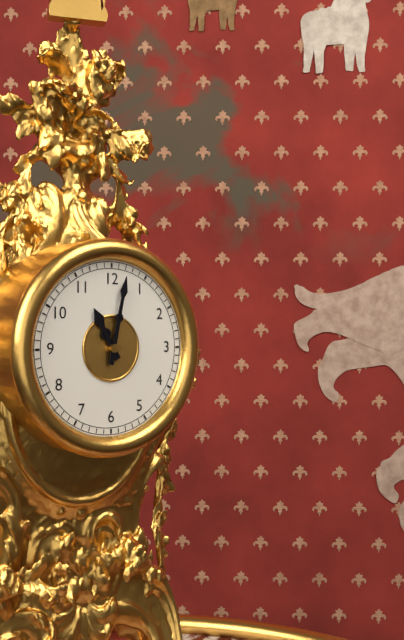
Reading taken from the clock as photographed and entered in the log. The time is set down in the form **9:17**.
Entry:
**11:02**
